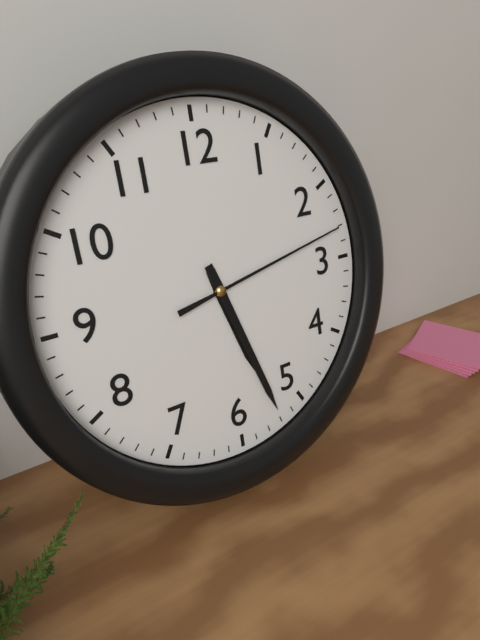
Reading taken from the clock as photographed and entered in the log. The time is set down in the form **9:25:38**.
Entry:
**5:27:13**
